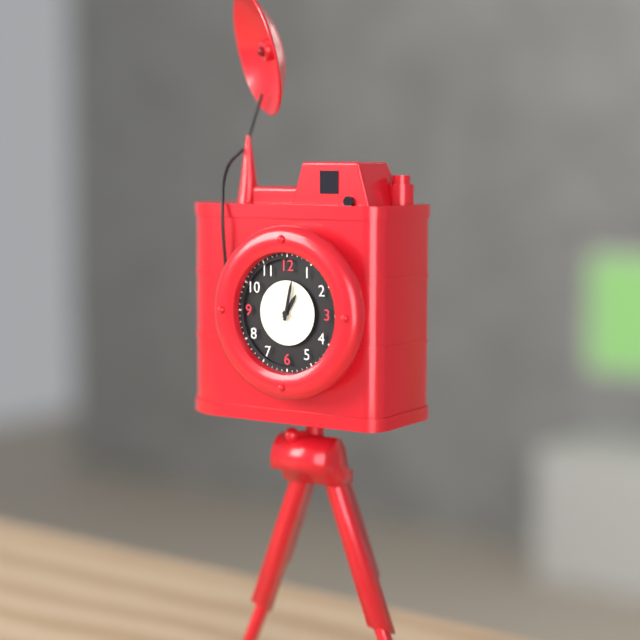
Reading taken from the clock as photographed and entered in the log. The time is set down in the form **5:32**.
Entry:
**1:02**
